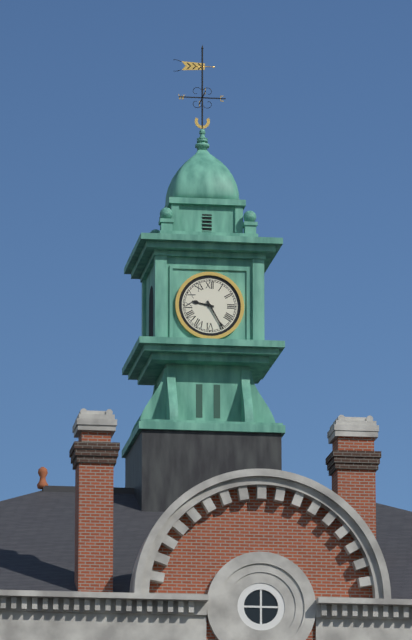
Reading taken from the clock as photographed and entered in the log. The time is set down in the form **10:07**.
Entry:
**9:25**
